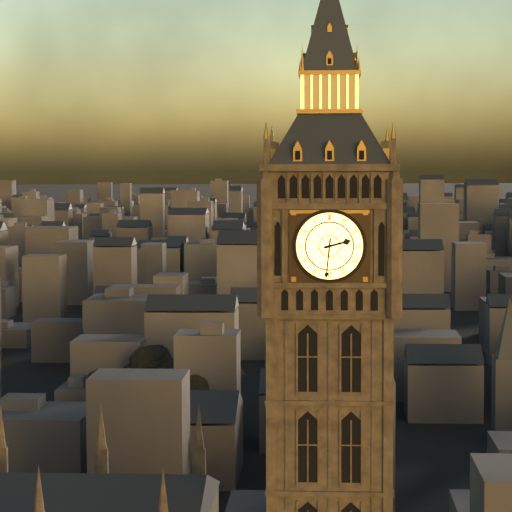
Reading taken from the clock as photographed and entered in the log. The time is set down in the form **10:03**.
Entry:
**2:31**
